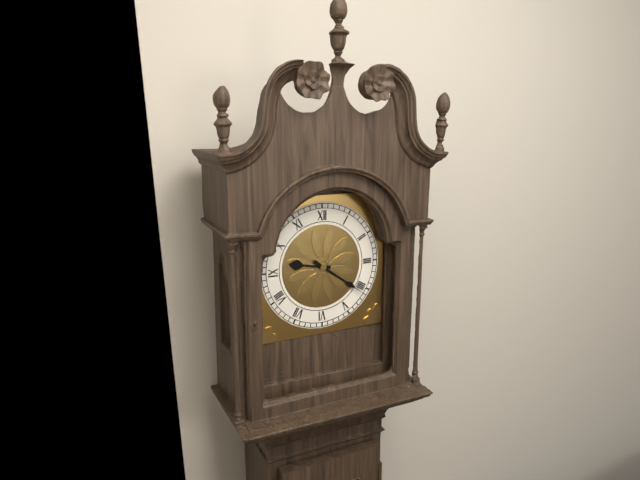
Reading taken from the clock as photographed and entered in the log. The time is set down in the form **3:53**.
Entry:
**9:21**
